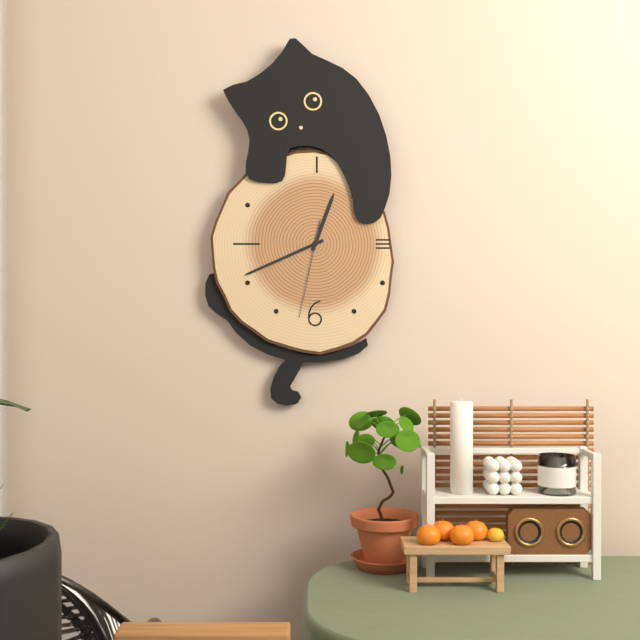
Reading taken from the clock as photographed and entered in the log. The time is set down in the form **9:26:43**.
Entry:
**12:41:32**
